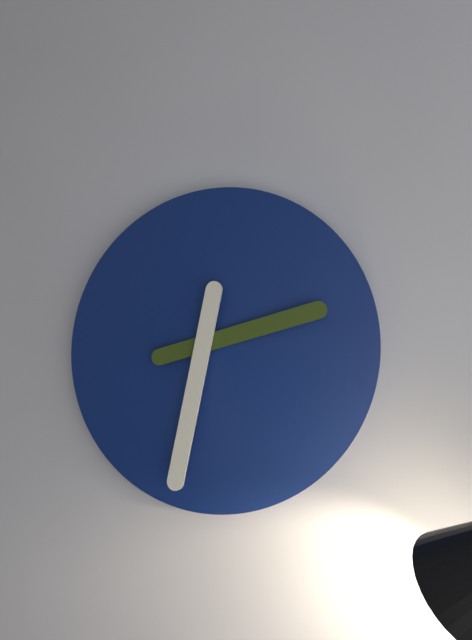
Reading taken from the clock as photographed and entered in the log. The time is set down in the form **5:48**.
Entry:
**2:32**
